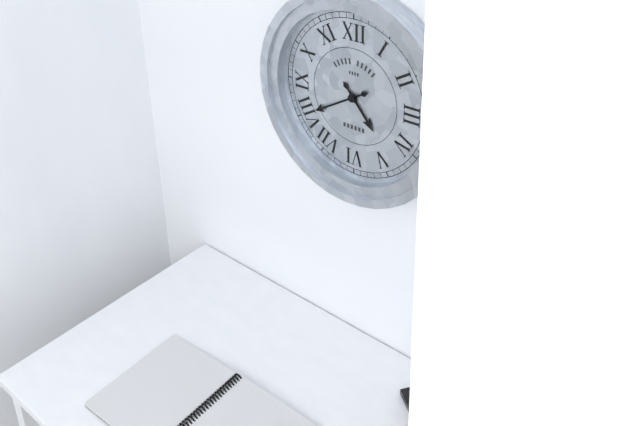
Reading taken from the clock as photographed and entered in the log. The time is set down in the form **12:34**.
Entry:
**4:40**
